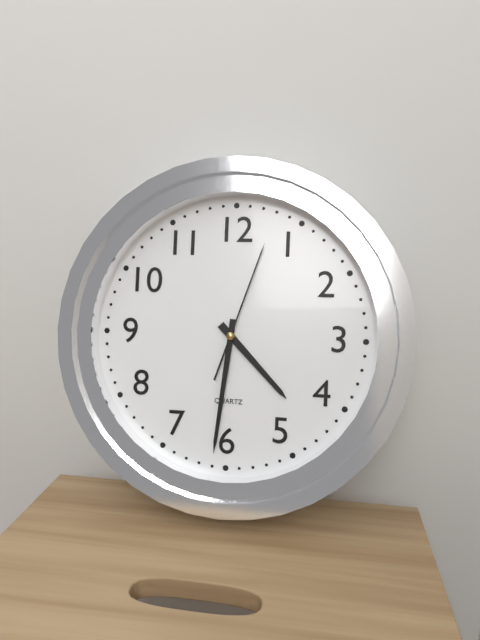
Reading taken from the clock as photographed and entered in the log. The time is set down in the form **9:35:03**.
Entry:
**4:31:03**
